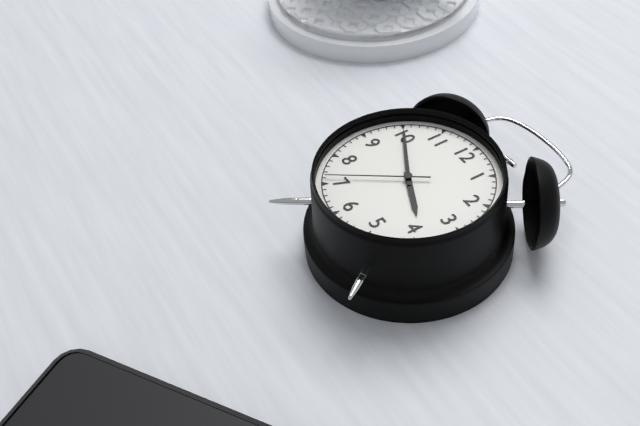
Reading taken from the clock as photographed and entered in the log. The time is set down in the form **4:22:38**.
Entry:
**3:50:36**
